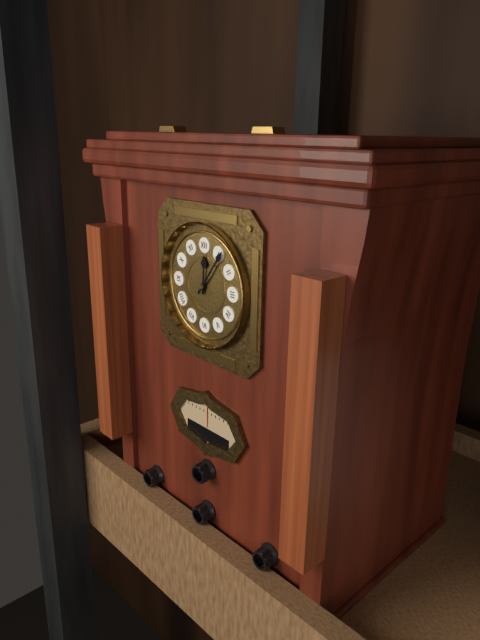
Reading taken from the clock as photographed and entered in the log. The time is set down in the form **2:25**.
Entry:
**12:06**
